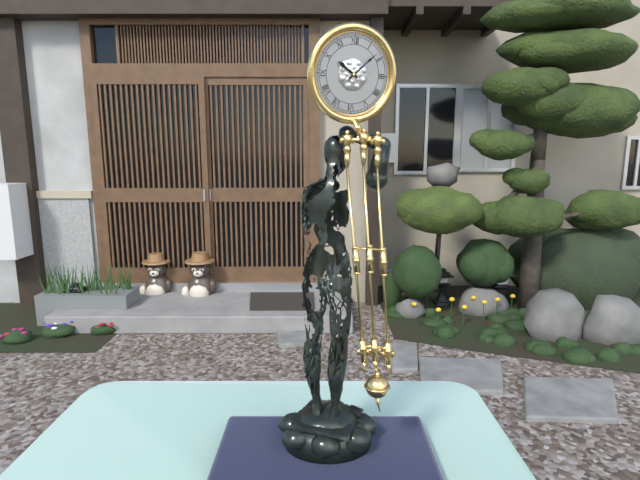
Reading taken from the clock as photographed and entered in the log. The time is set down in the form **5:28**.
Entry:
**10:08**
